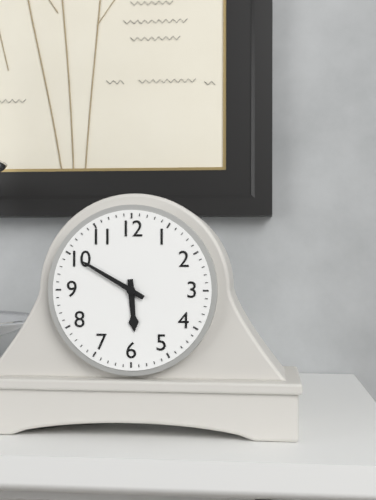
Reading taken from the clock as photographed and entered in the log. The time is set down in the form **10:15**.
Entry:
**5:50**
